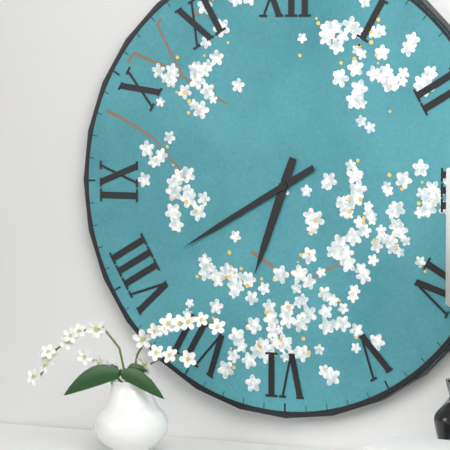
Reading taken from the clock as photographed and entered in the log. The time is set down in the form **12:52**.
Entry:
**6:40**
